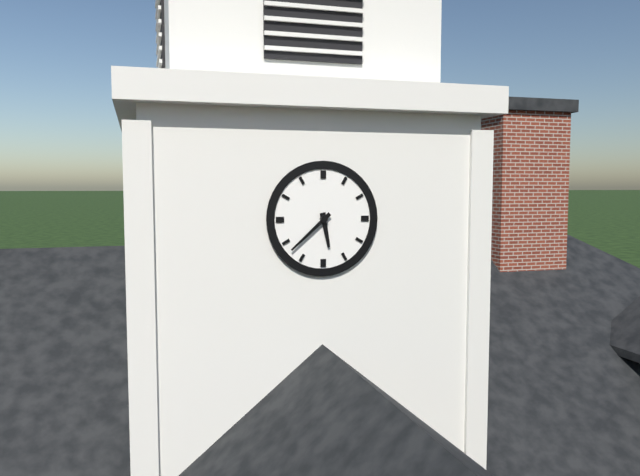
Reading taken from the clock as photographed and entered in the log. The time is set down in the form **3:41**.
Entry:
**5:38**
